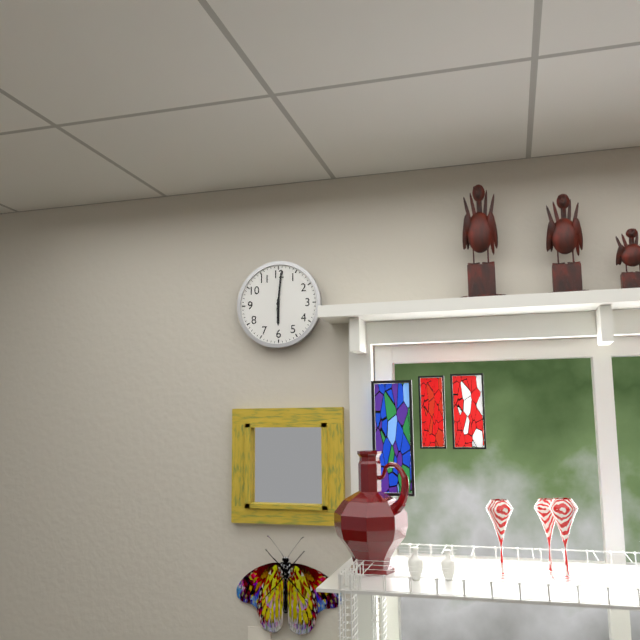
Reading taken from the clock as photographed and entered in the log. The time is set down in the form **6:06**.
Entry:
**6:01**
